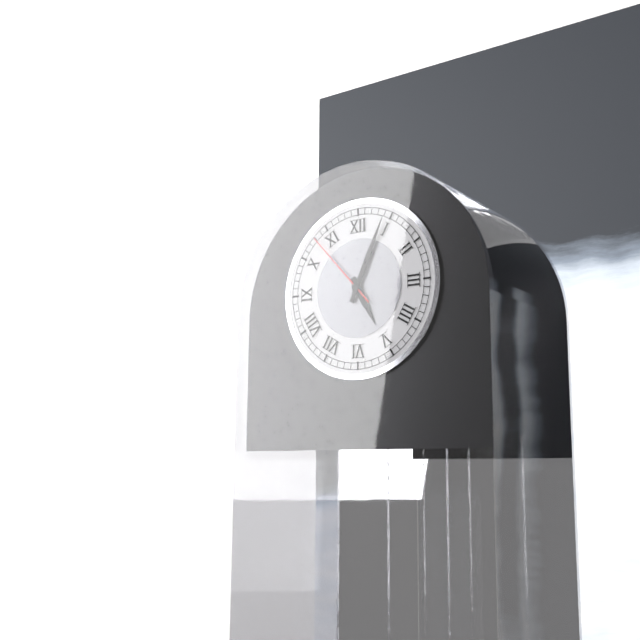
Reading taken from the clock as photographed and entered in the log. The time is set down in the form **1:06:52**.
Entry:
**5:04:53**
